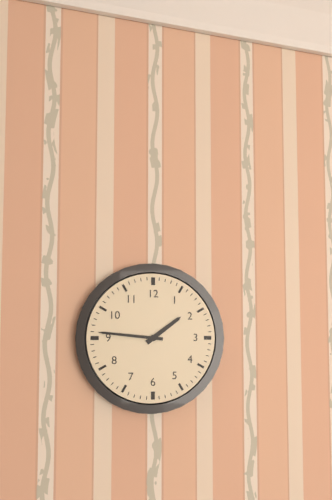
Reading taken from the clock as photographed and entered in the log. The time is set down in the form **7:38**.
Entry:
**1:46**
